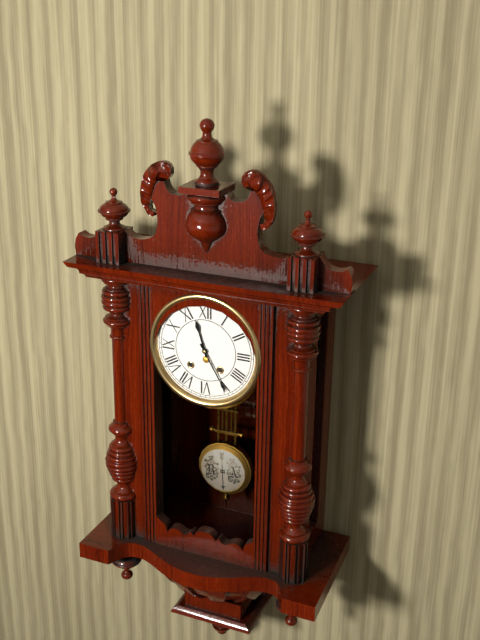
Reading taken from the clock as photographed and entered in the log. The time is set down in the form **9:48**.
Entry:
**11:25**
